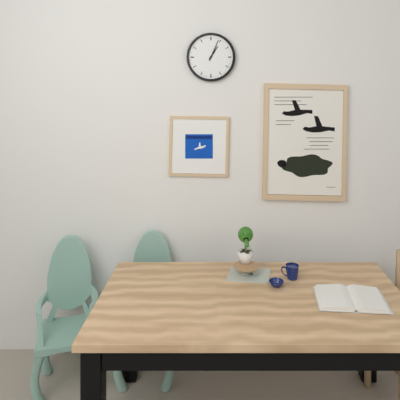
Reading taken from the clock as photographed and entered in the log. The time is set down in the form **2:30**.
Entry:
**1:04**
